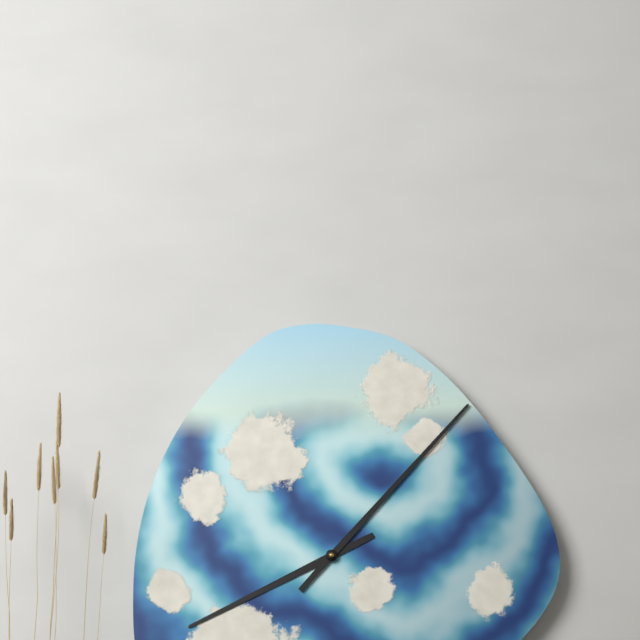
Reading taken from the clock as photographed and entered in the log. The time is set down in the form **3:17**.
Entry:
**8:07**
